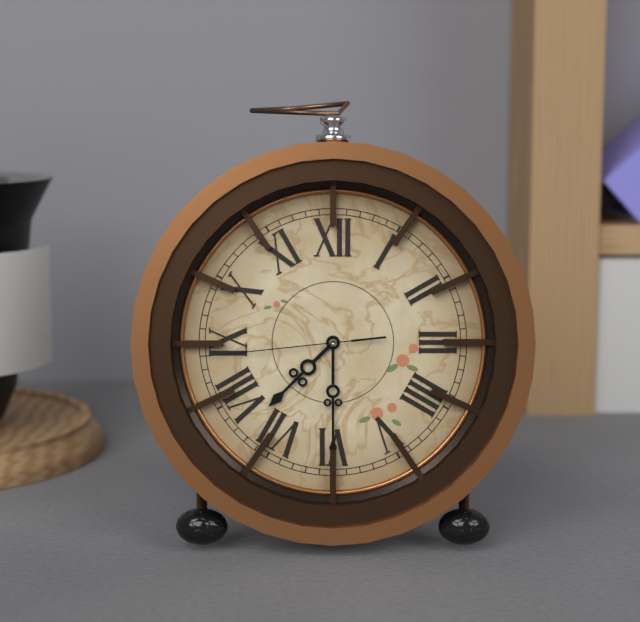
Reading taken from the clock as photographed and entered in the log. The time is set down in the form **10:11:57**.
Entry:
**7:30:44**
